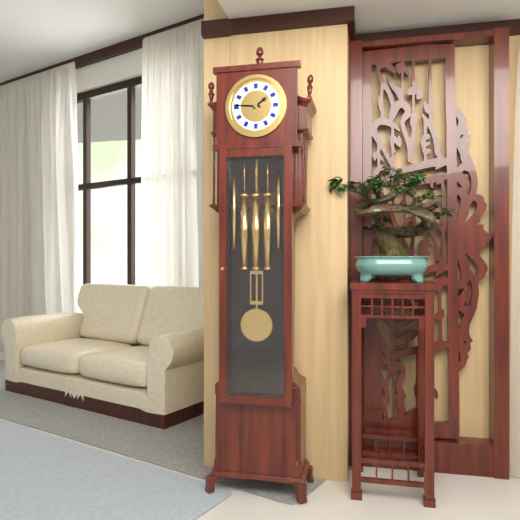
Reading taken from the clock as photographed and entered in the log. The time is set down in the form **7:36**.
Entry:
**1:46**
